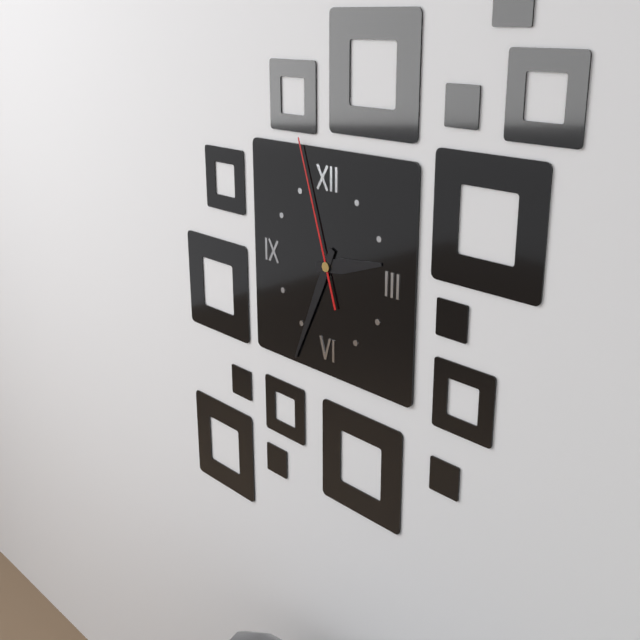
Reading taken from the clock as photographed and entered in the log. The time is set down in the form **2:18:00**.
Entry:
**2:34:57**
